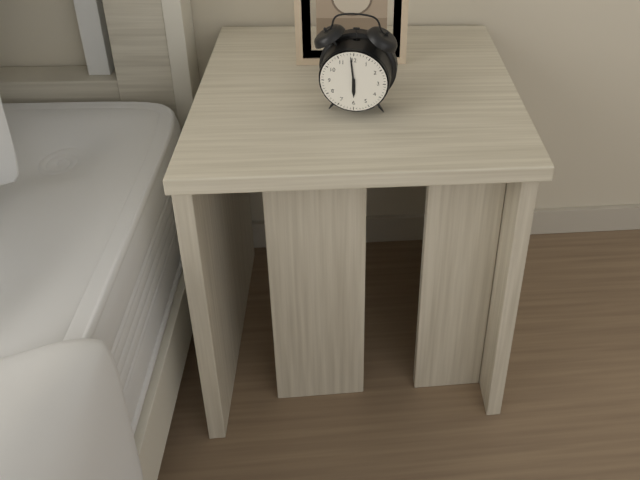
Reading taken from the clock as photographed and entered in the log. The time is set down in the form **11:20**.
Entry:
**5:59**
